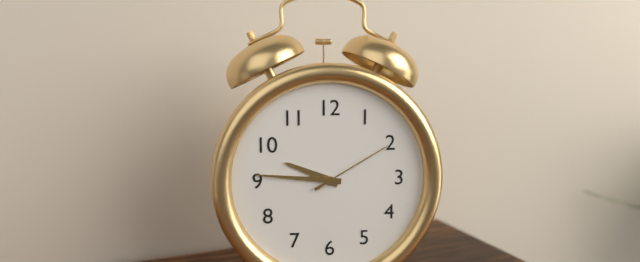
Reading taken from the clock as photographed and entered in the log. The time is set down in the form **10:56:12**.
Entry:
**9:46:10**
